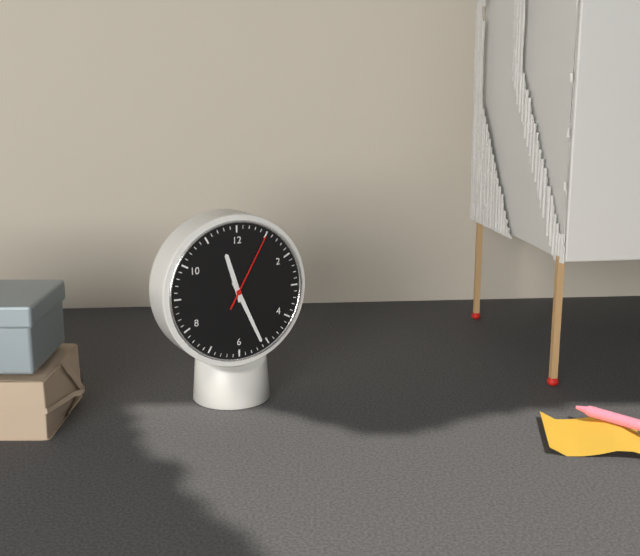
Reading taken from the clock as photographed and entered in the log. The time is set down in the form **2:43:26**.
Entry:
**11:26:05**
